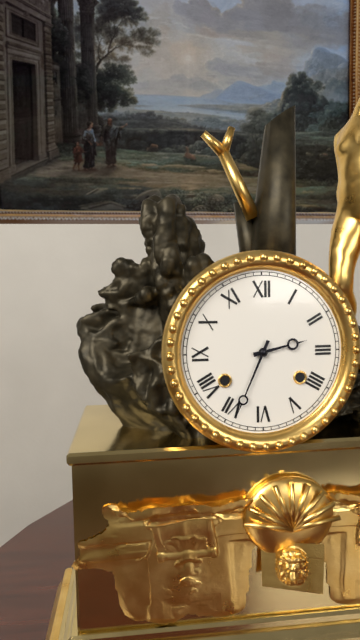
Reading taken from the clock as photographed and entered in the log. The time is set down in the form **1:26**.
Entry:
**2:34**
